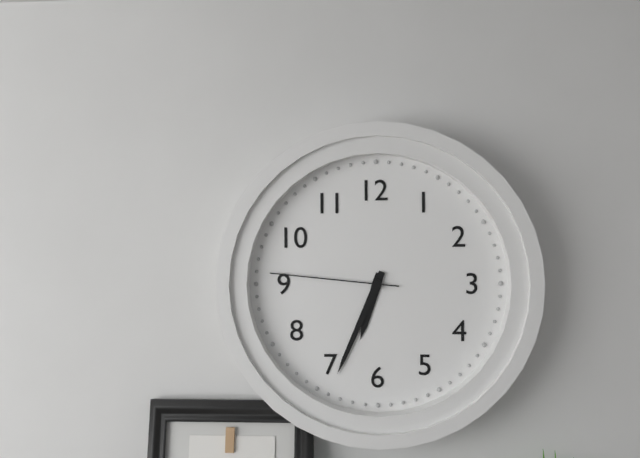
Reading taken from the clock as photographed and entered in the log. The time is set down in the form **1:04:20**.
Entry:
**6:34:46**
